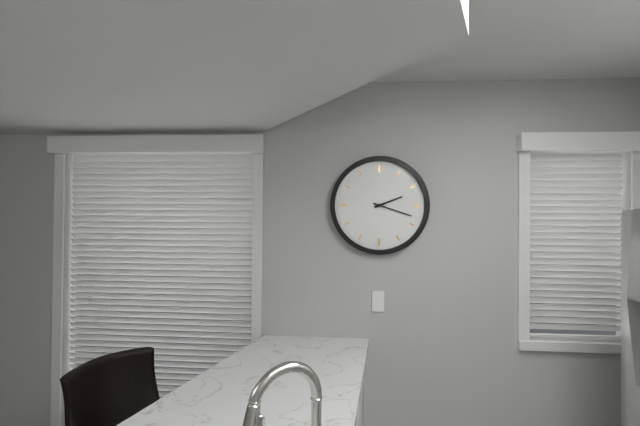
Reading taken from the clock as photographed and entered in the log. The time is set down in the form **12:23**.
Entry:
**2:18**
